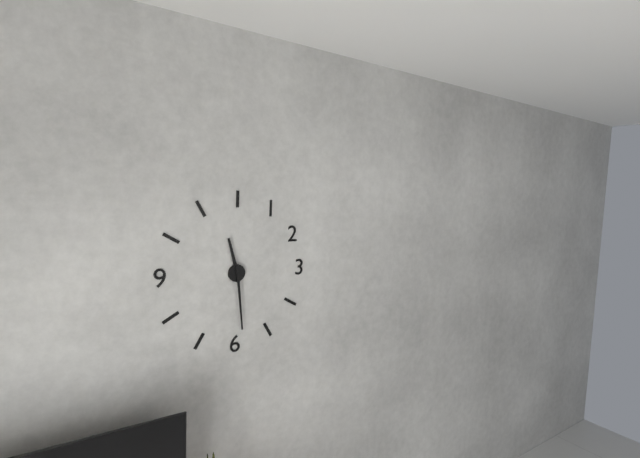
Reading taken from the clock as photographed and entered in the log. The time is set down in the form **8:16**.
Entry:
**11:29**
